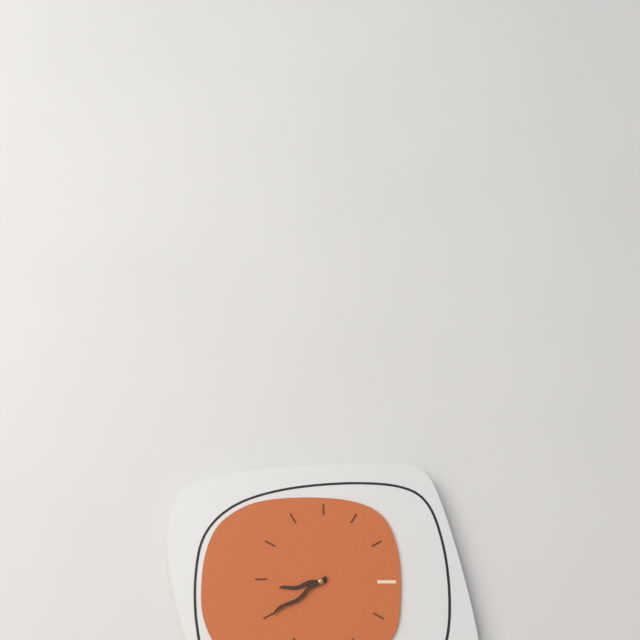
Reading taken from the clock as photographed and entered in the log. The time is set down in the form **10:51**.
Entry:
**8:39**
